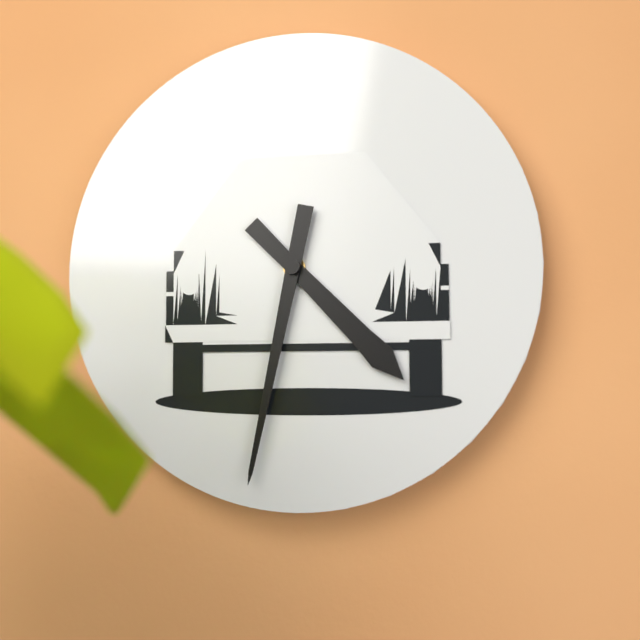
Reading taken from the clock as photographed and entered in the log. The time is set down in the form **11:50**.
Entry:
**4:32**
